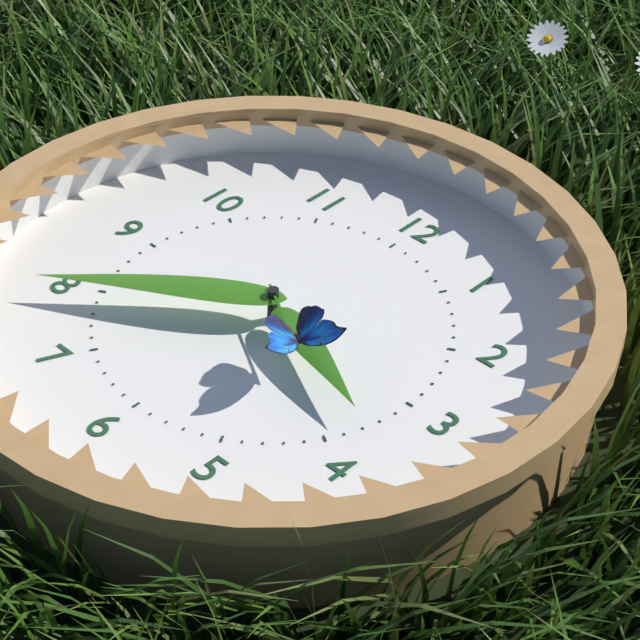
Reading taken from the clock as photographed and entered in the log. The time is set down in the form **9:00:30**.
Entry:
**3:39:20**
